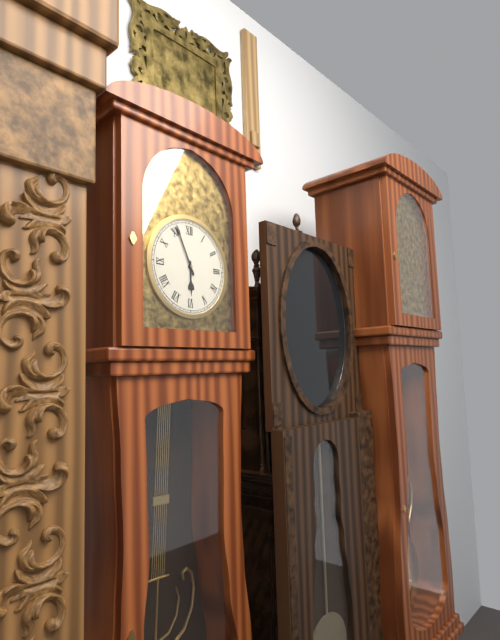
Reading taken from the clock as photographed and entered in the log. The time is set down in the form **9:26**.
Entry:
**5:56**
